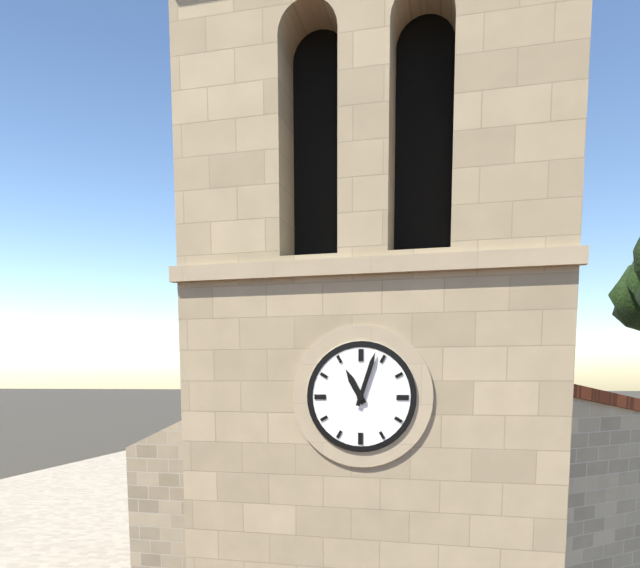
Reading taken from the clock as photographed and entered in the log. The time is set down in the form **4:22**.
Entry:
**11:03**
